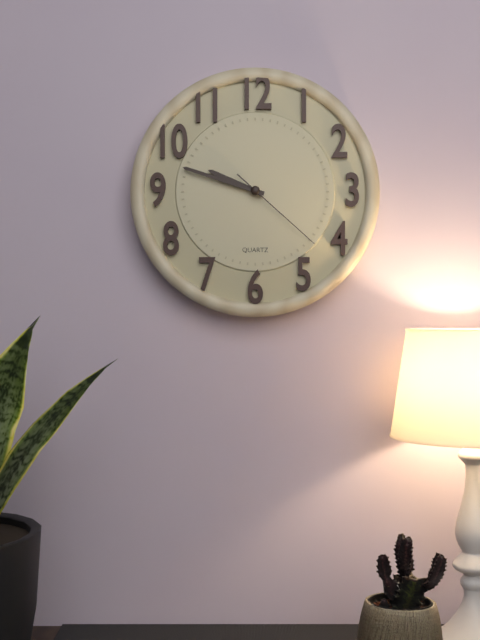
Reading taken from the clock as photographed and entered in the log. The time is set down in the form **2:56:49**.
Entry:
**9:48:22**
